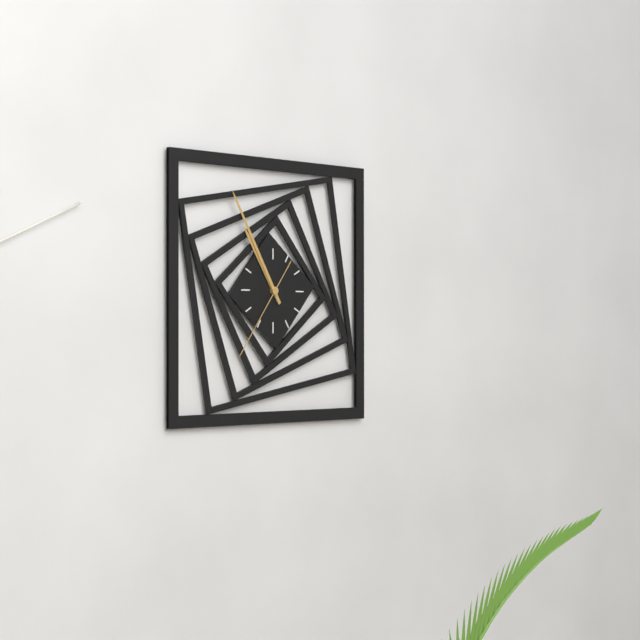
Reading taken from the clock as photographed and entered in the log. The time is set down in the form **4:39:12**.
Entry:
**10:55:36**
